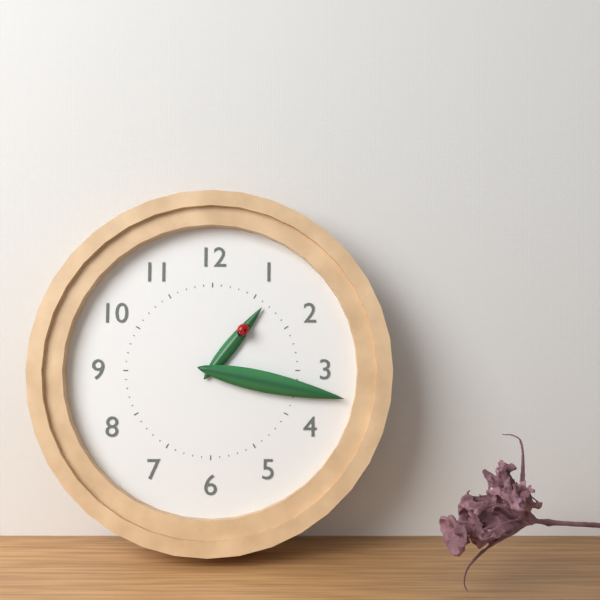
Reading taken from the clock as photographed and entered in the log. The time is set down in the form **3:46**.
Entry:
**1:17**
